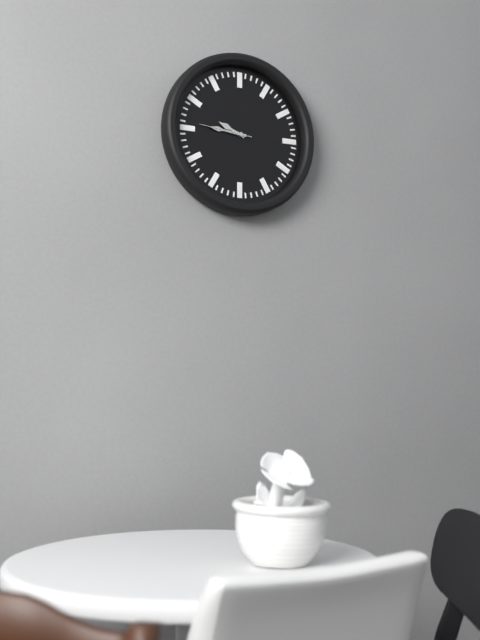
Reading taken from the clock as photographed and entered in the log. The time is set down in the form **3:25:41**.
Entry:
**9:46:46**
